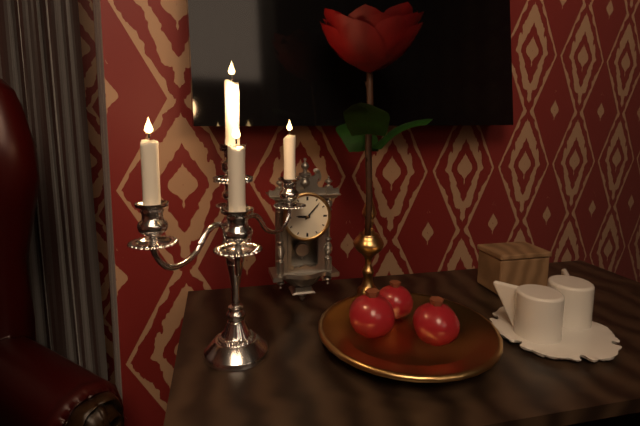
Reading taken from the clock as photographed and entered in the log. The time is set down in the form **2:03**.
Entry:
**9:07**
